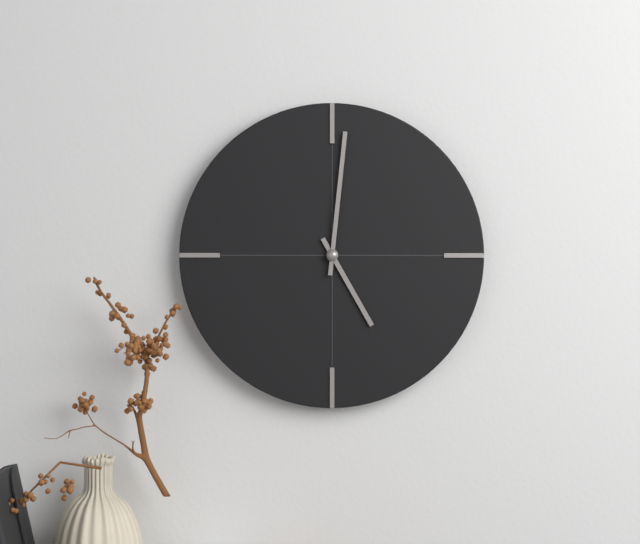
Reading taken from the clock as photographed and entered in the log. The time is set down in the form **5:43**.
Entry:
**5:01**
